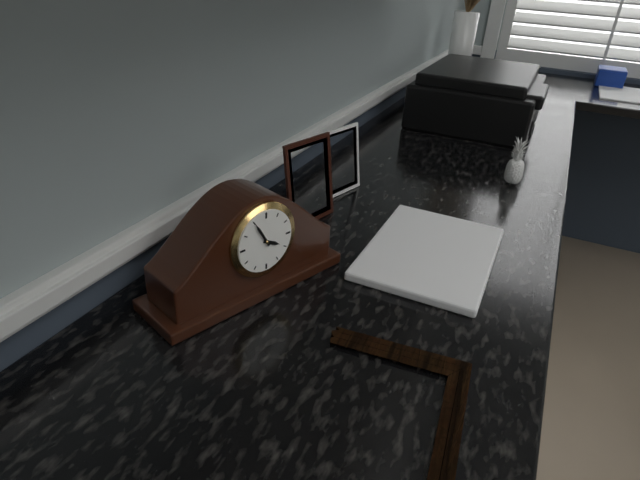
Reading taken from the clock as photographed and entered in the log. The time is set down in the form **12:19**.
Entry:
**3:55**
